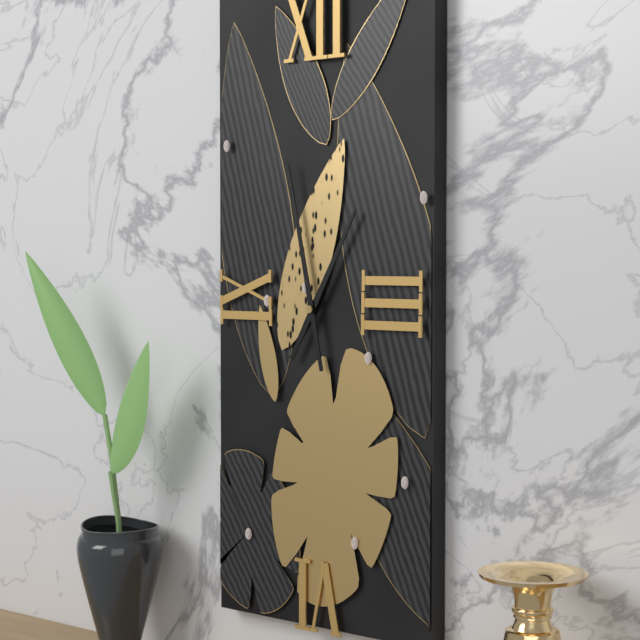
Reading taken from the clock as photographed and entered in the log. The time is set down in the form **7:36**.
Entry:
**12:58**
